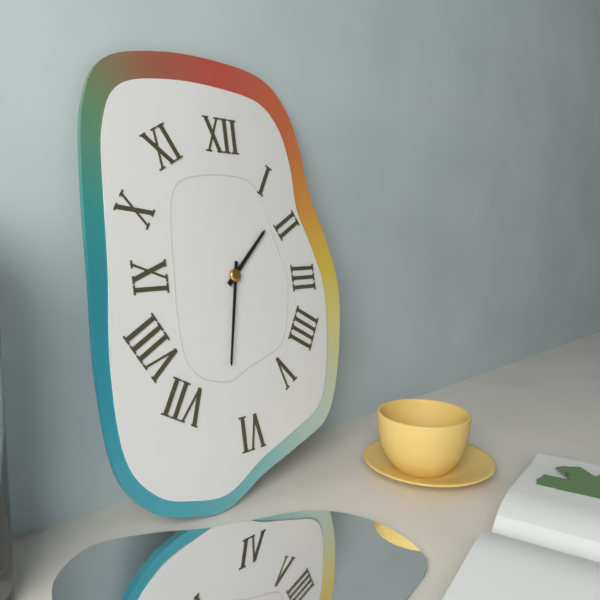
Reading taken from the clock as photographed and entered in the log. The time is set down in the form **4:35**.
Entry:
**1:32**
